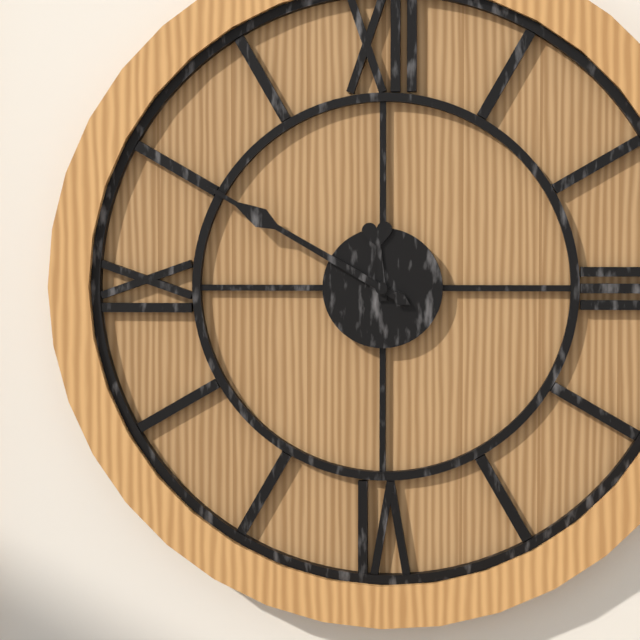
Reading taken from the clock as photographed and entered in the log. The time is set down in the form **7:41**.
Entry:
**11:50**
